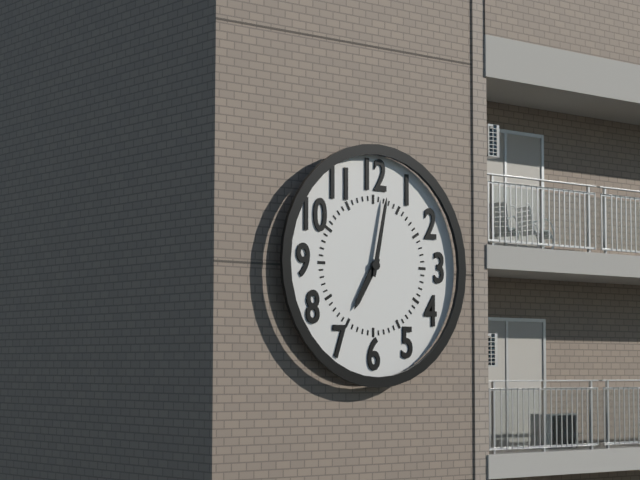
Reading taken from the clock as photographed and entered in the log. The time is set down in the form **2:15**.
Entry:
**7:02**
